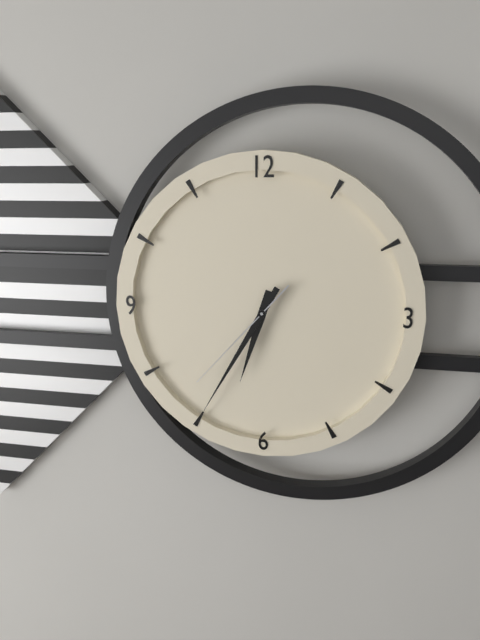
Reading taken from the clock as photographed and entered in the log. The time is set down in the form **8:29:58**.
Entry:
**6:35:37**
